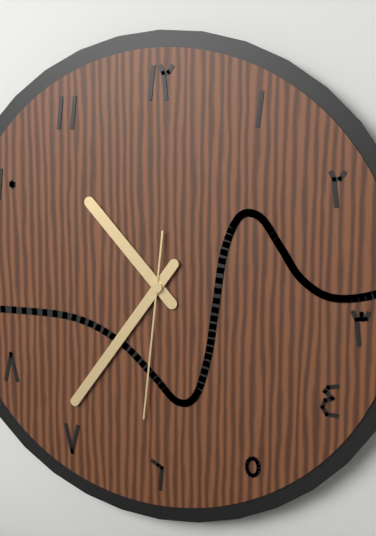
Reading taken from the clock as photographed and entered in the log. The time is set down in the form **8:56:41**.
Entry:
**10:36:31**
